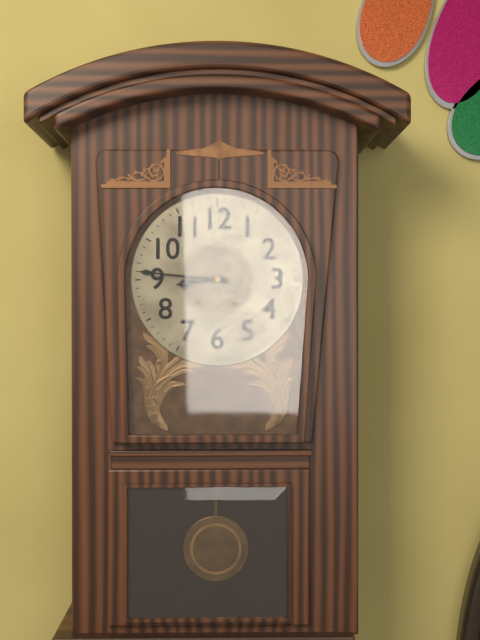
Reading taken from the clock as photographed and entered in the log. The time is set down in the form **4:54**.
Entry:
**8:46**
